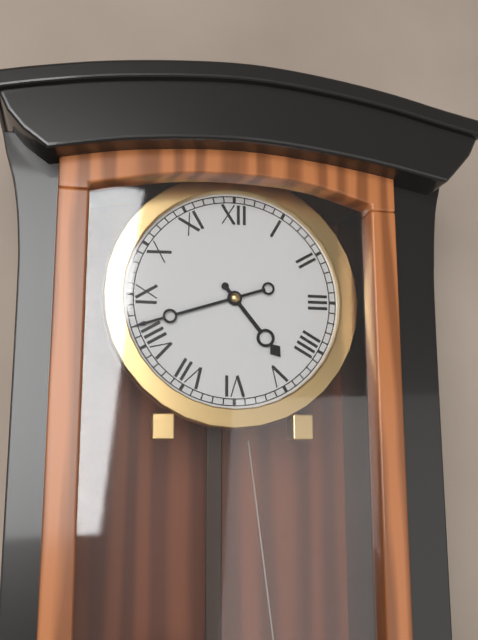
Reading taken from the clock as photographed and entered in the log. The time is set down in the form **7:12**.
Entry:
**4:42**
